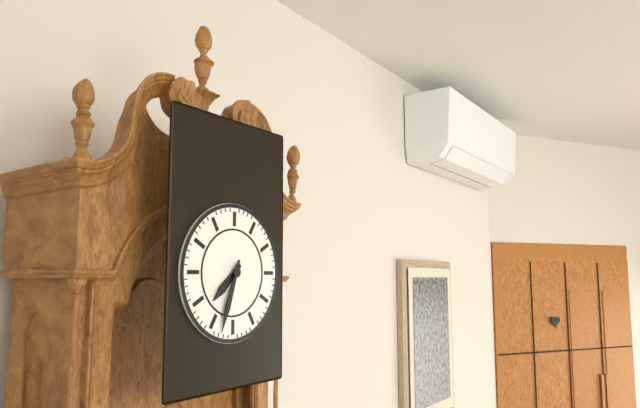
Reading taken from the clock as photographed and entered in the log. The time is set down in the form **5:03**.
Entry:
**7:33**
